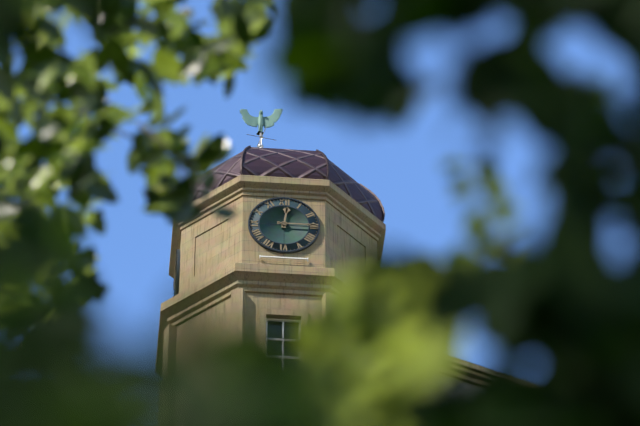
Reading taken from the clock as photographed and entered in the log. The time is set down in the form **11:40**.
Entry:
**12:15**
